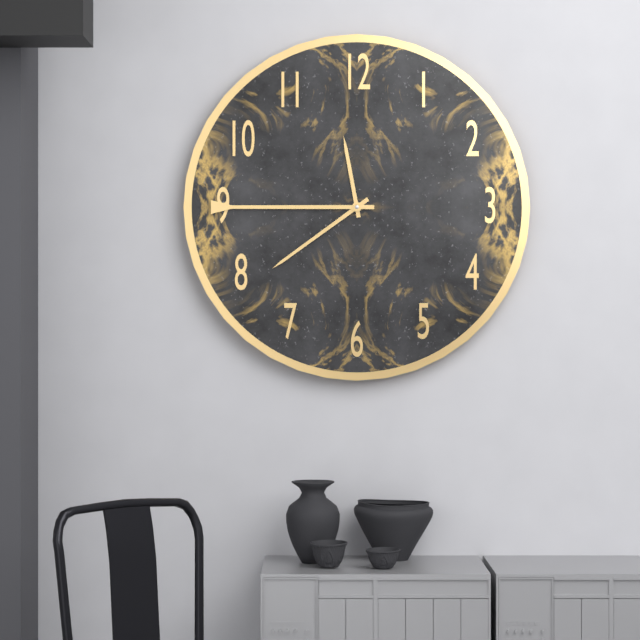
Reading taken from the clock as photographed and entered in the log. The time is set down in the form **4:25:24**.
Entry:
**11:39:45**
